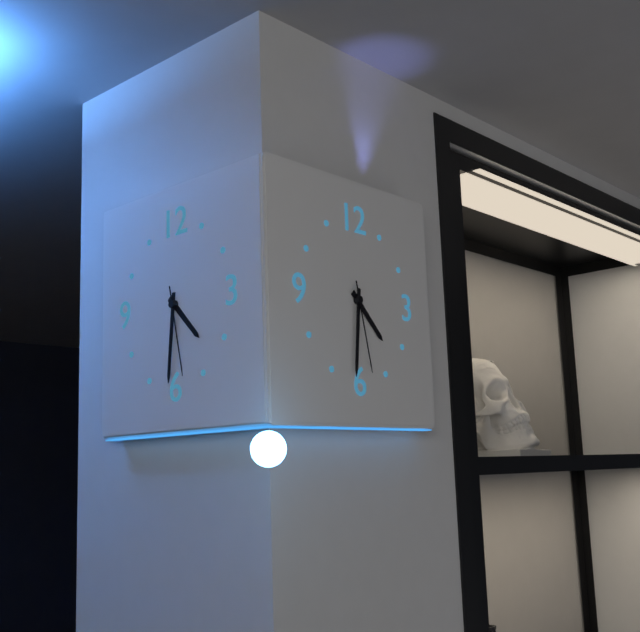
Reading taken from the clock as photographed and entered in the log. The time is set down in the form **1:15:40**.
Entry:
**4:31:28**
